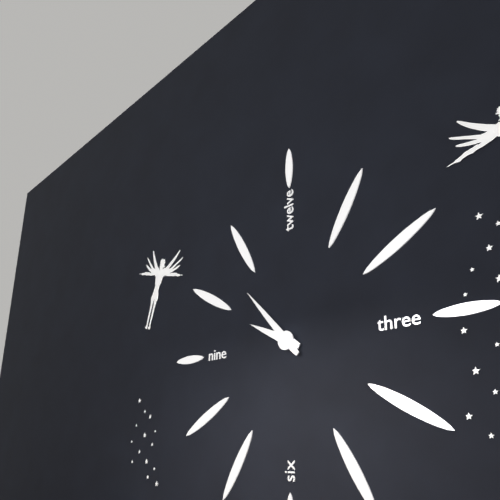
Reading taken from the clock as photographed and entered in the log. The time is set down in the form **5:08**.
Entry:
**9:53**
